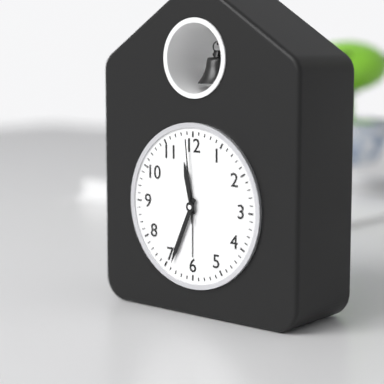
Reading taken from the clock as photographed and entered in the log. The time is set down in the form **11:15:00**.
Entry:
**11:34:59**
